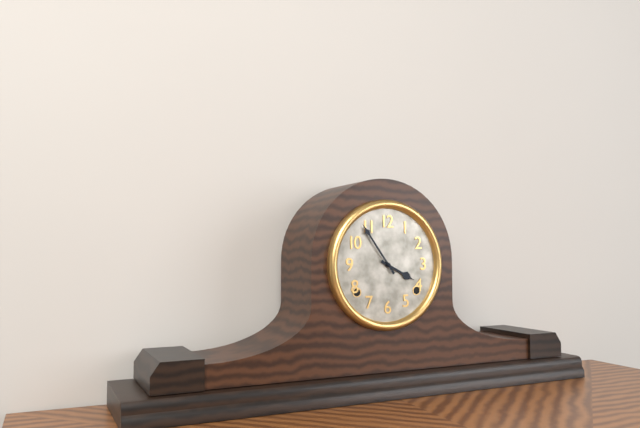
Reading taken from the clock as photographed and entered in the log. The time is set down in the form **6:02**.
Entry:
**3:54**
